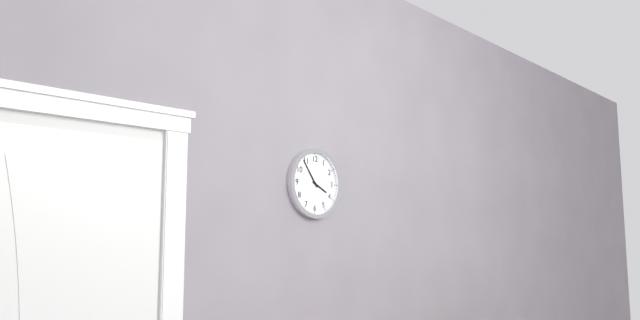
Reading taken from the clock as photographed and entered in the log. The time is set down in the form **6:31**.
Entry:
**3:54**
